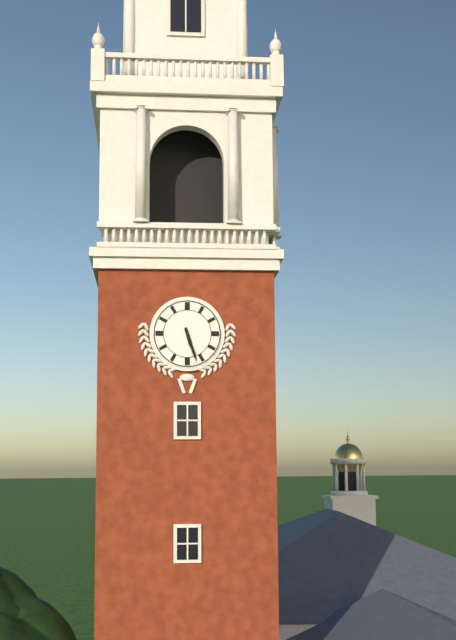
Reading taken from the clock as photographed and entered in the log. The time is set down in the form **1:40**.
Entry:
**5:27**
